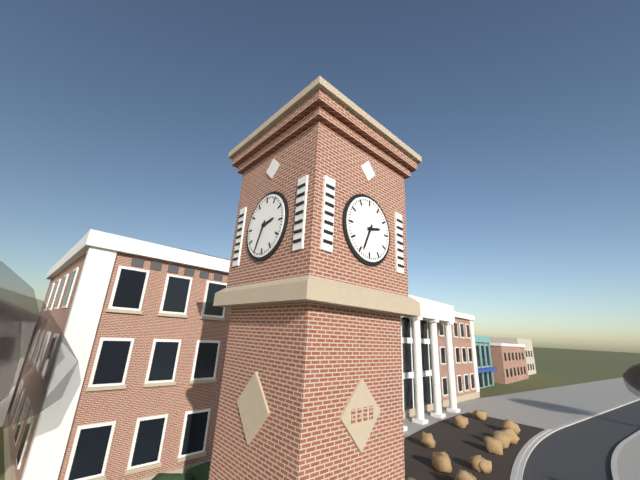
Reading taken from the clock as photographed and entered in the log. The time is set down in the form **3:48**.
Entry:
**2:34**
